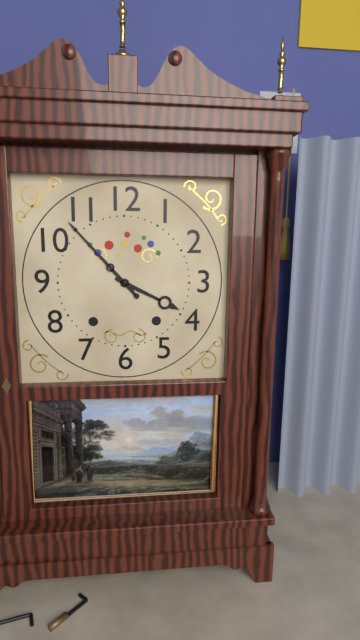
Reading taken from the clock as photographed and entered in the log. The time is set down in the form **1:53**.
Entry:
**3:53**
